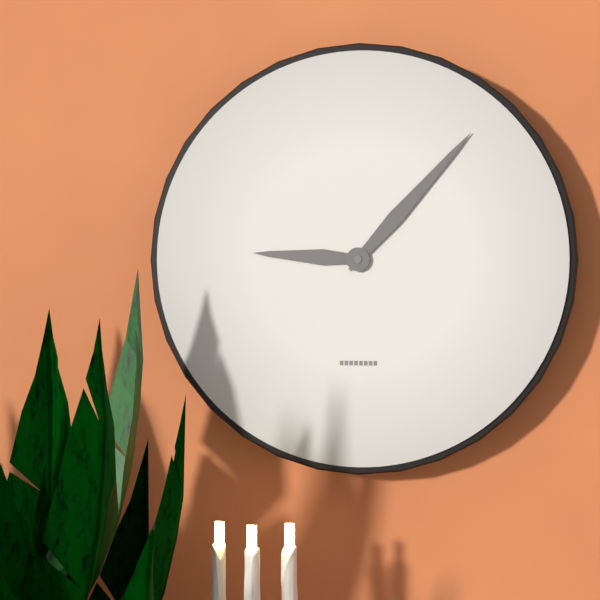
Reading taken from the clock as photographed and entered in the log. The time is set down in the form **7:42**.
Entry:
**9:07**
